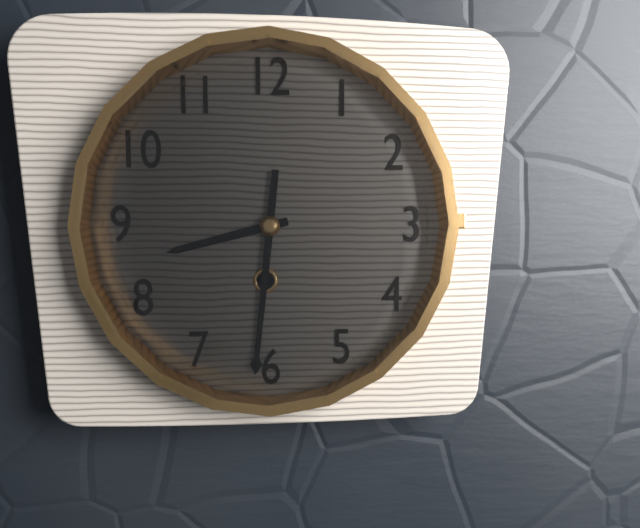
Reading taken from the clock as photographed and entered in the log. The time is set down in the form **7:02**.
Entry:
**8:31**
